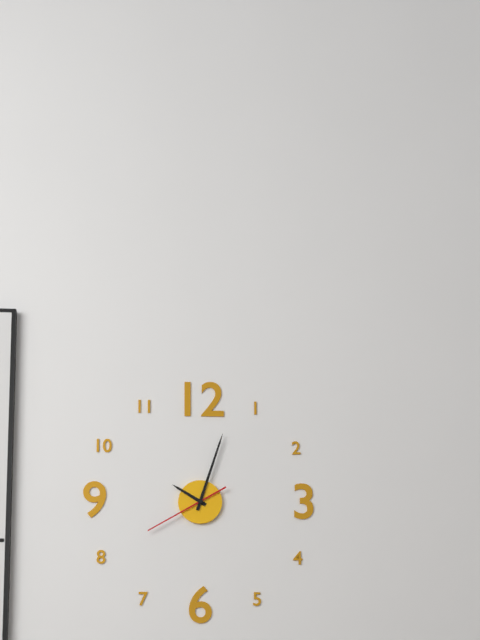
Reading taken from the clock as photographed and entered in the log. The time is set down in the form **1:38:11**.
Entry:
**10:03:40**
